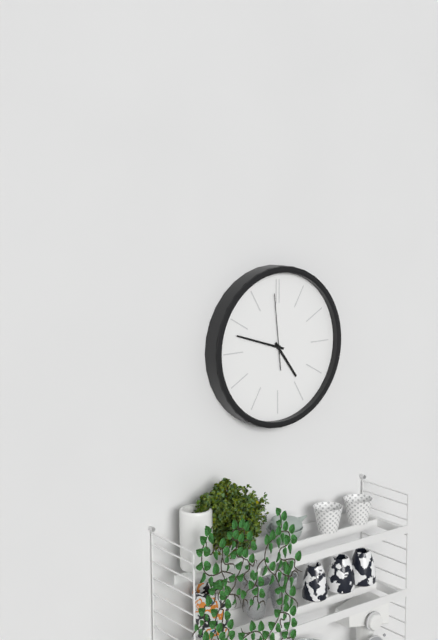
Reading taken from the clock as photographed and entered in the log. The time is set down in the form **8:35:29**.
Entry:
**4:48:59**
